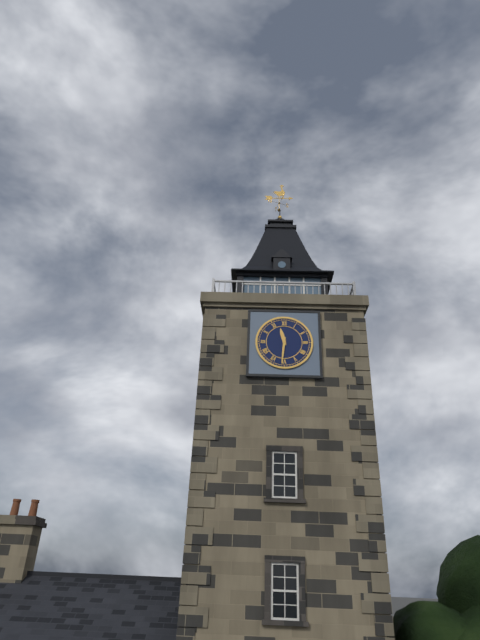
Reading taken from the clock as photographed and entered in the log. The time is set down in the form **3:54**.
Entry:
**11:31**
